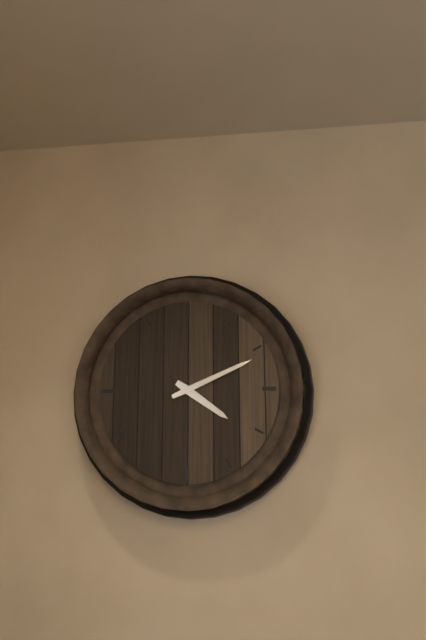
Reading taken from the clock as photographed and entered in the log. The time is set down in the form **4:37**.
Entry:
**4:11**
